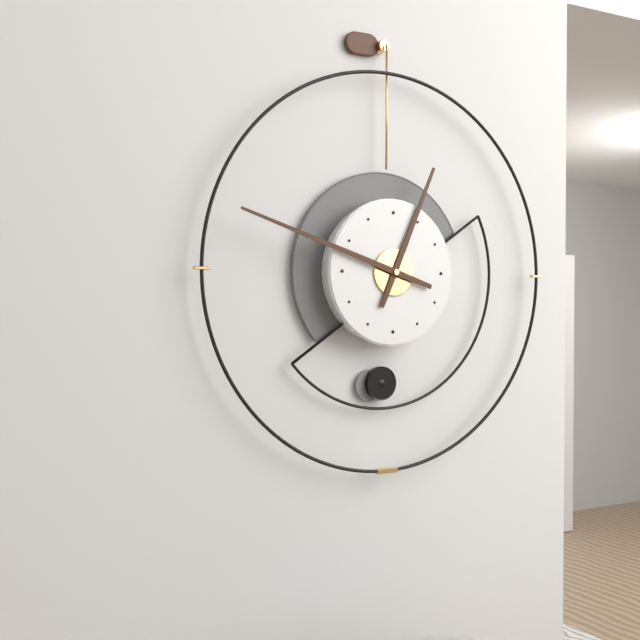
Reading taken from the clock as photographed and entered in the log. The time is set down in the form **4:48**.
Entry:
**12:48**
